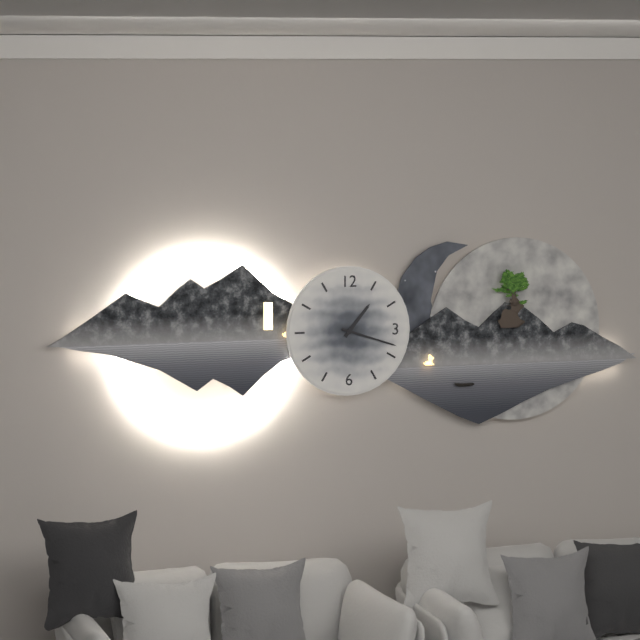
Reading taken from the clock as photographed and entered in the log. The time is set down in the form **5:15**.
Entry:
**1:18**
